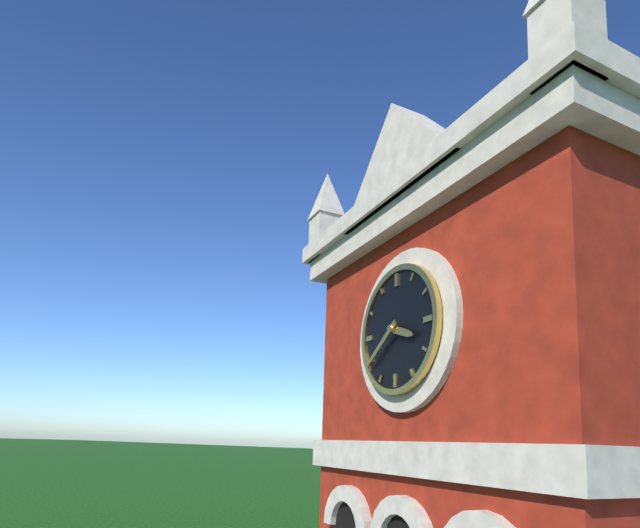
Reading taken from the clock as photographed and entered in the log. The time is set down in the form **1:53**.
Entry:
**3:39**
